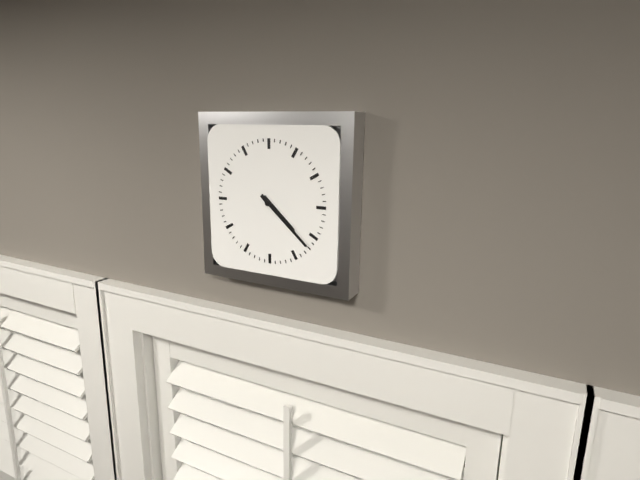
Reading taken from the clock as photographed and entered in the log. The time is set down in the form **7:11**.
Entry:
**4:22**
